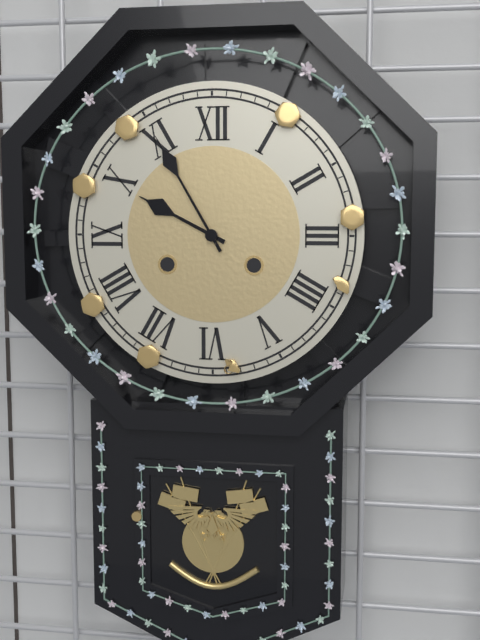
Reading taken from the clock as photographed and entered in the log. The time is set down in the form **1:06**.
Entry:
**9:55**
